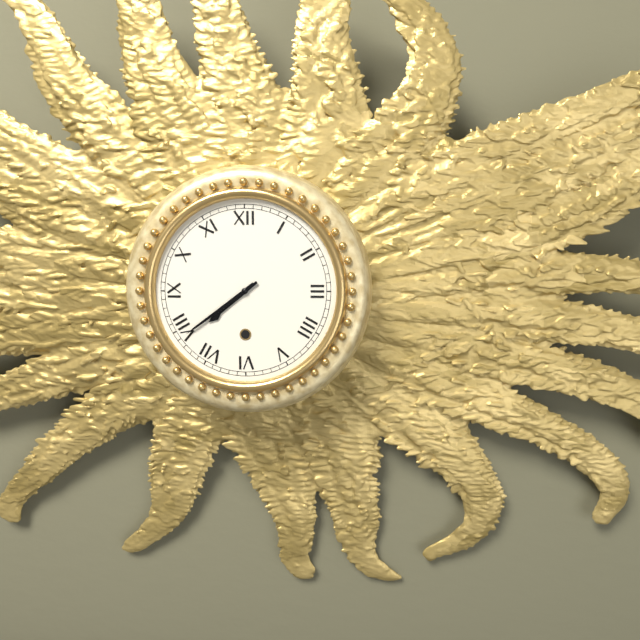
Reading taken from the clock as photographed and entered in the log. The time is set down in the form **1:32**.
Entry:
**7:39**
